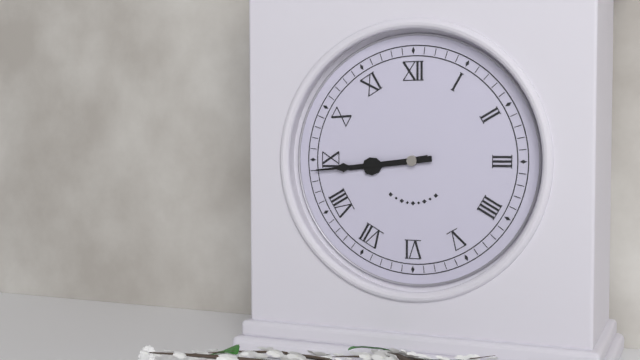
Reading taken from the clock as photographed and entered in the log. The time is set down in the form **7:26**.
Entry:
**8:44**
